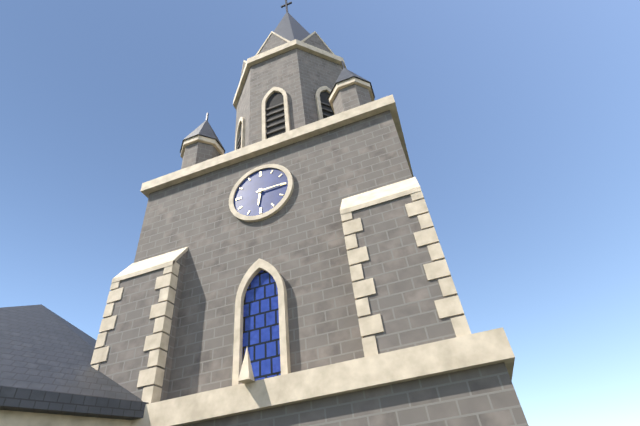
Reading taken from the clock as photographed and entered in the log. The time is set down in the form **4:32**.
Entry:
**6:15**
